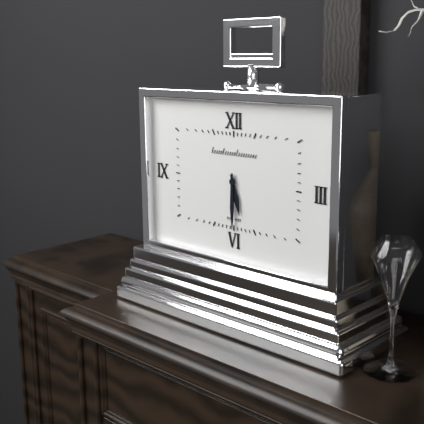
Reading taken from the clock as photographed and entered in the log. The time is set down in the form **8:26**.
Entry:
**5:30**
